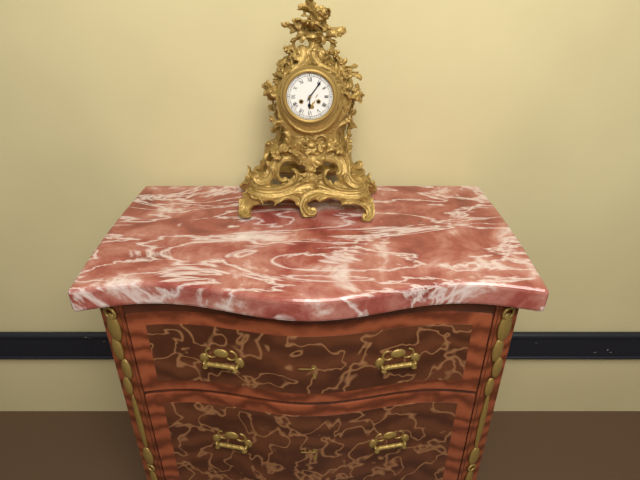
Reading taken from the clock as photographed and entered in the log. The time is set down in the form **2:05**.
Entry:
**6:06**
